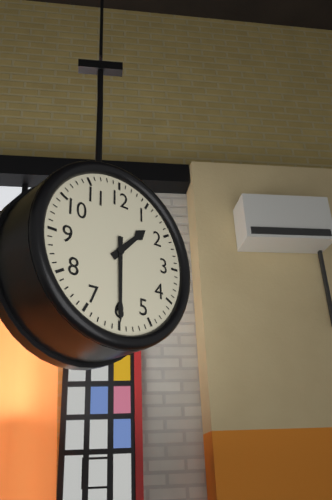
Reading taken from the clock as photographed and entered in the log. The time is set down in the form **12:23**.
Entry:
**1:30**
